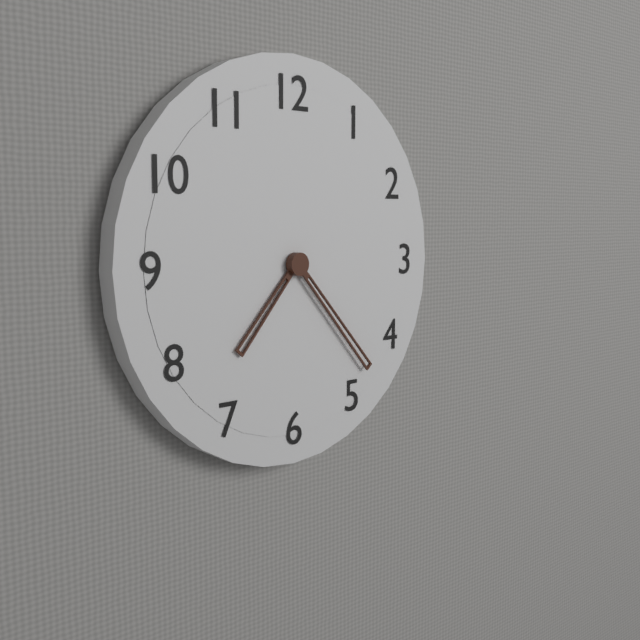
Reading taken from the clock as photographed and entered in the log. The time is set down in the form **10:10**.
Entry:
**7:23**
